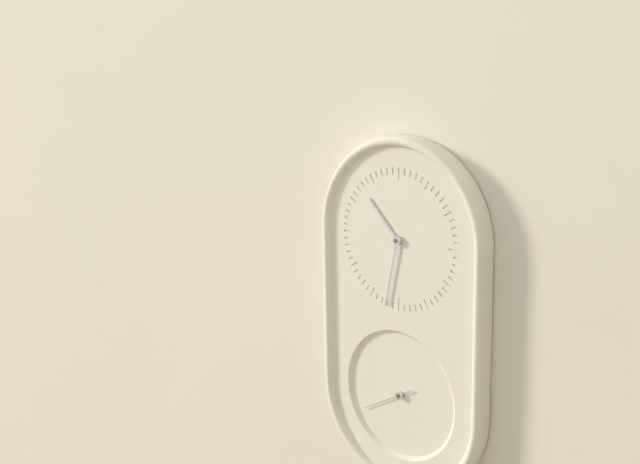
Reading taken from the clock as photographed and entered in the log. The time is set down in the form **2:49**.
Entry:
**10:32**
